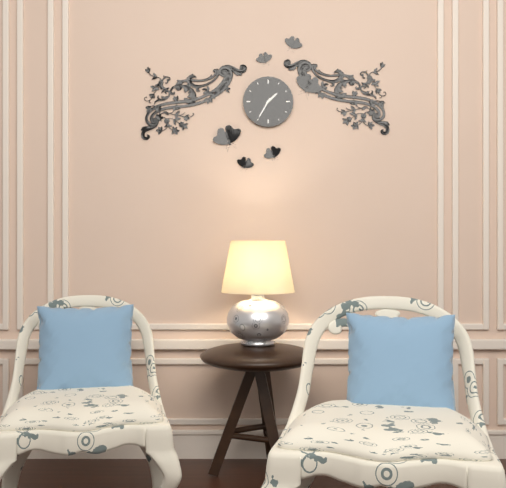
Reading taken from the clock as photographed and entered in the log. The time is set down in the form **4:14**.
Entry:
**1:35**
